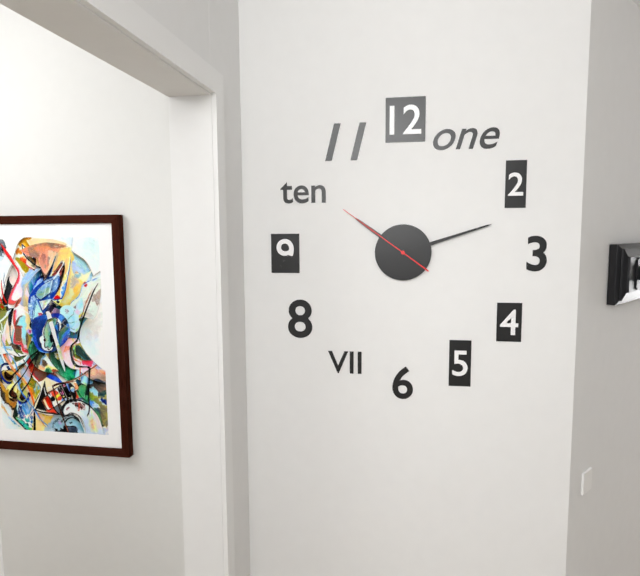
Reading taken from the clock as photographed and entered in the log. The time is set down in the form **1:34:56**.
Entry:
**10:12:51**
